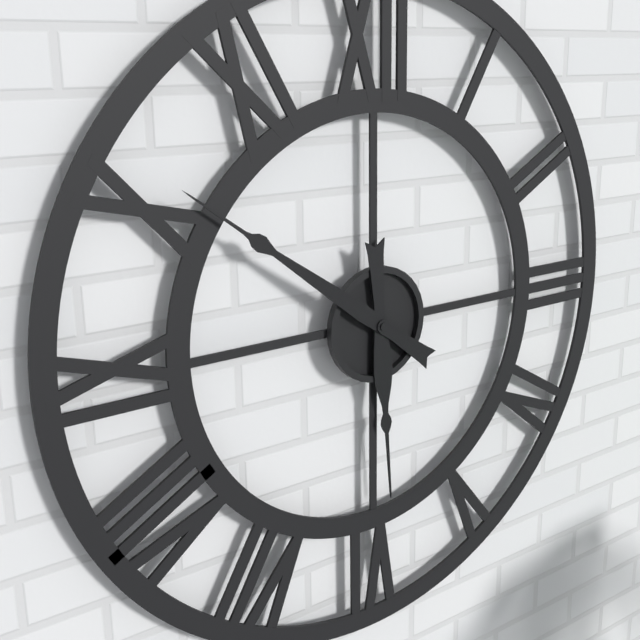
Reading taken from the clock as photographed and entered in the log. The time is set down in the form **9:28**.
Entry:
**5:51**
